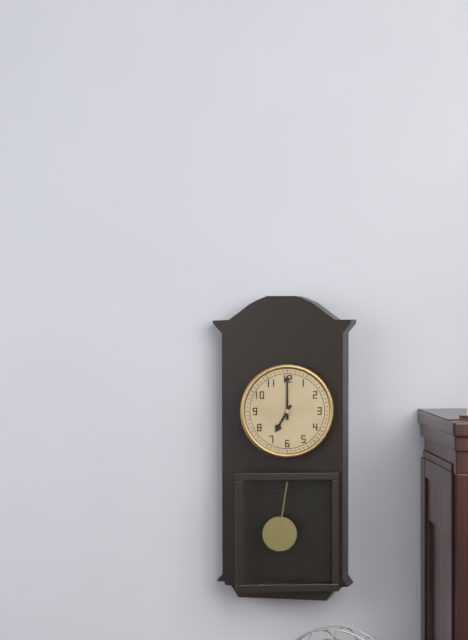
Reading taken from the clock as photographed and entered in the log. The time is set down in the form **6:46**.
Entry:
**7:00**
